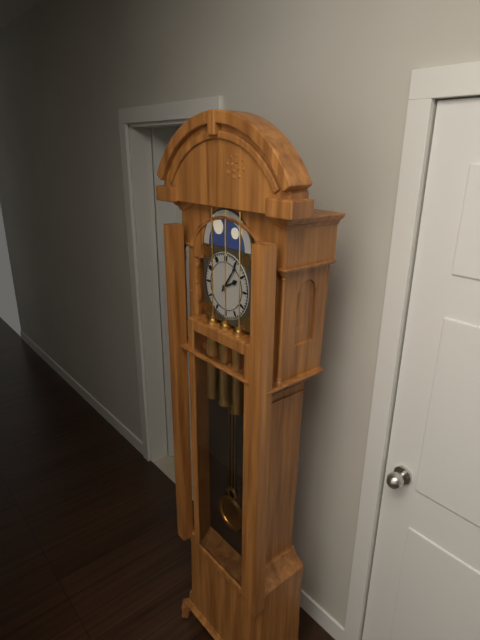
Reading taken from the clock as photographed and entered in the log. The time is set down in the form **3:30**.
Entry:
**2:06**
